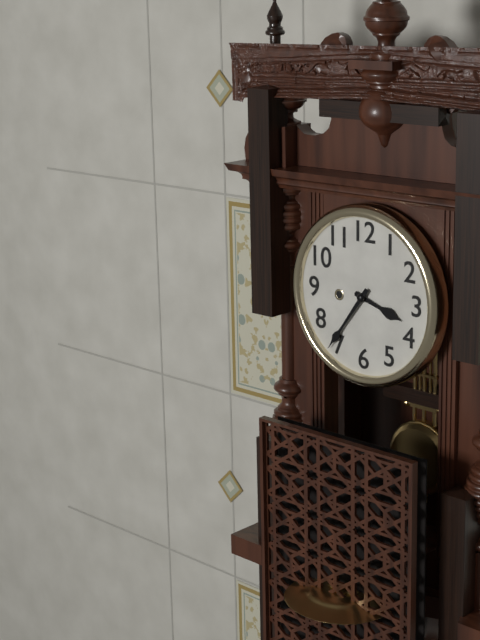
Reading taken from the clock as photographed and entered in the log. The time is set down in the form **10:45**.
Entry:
**3:36**
